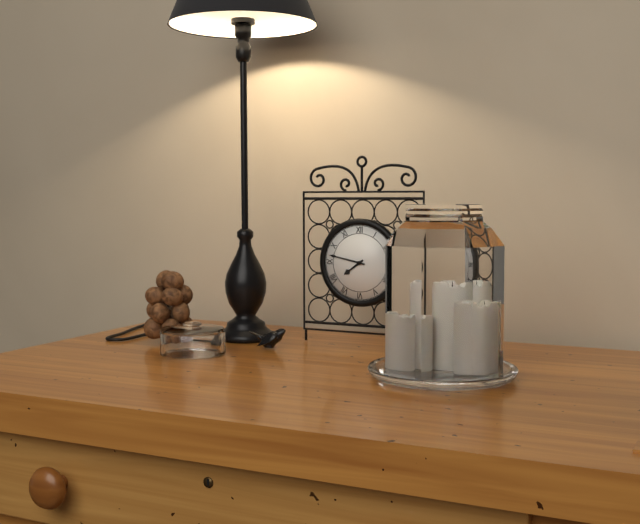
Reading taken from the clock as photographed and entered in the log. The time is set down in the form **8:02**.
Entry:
**7:47**
